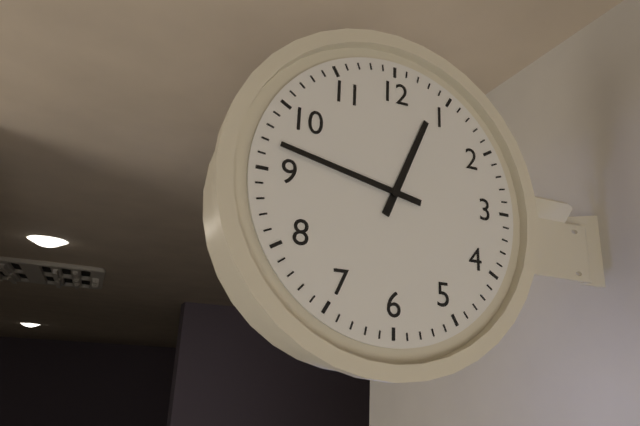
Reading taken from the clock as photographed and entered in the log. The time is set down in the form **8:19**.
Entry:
**12:47**
